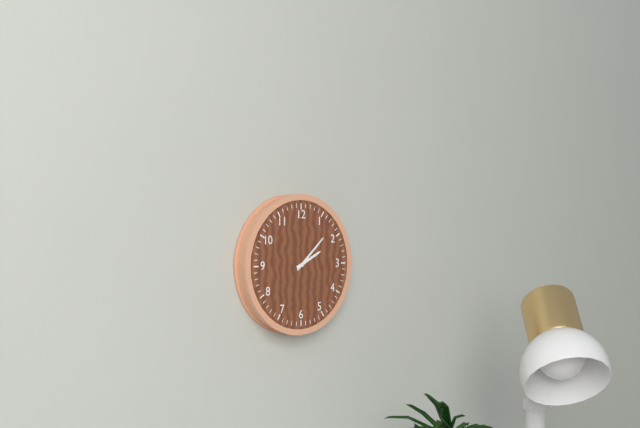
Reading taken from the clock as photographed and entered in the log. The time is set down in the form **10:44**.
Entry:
**2:08**
